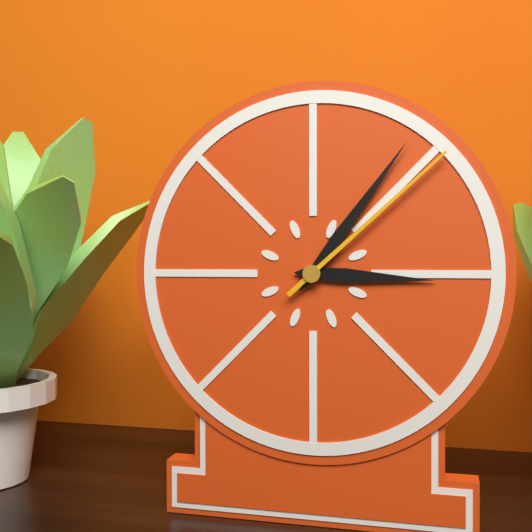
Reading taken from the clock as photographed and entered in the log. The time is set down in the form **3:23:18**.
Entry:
**3:06:08**
